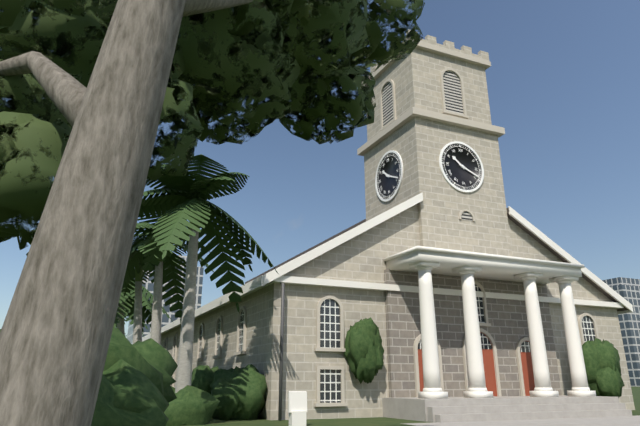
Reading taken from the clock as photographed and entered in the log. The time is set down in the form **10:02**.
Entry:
**10:19**
